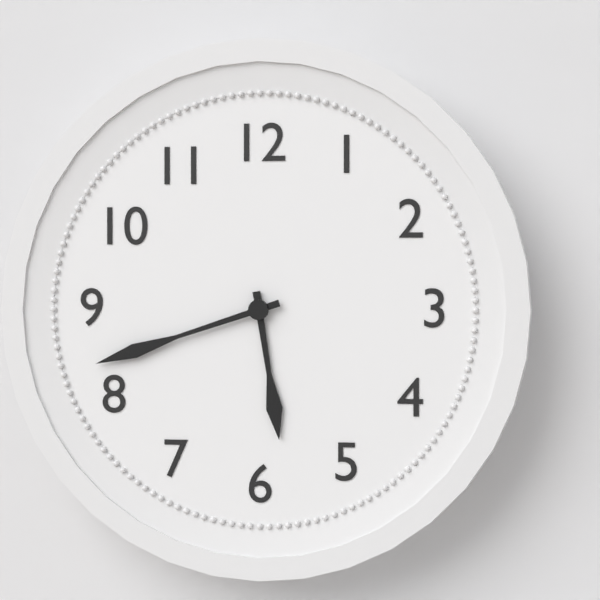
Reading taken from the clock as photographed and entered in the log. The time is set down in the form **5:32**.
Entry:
**5:42**
